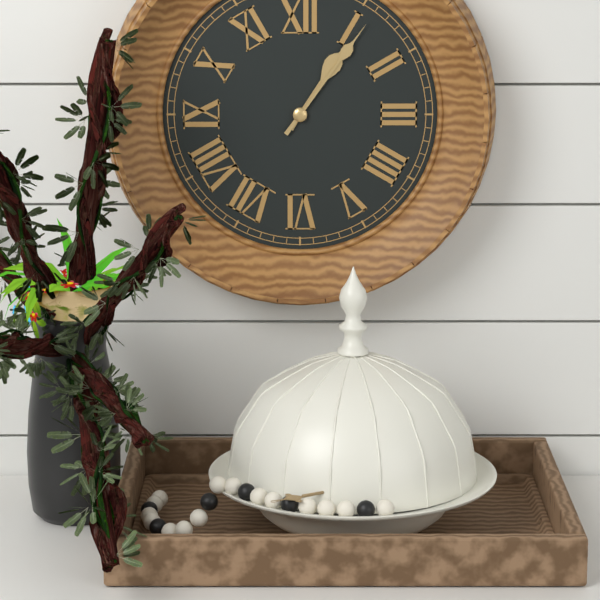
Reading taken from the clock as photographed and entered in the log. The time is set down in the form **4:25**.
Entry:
**1:06**
